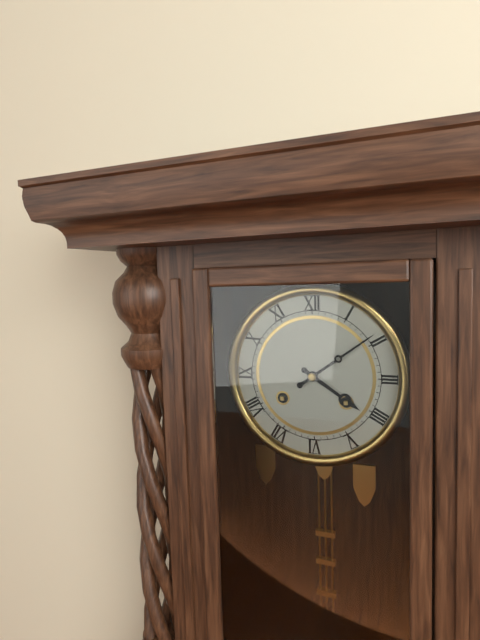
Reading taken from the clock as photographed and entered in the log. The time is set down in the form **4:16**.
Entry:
**4:09**
